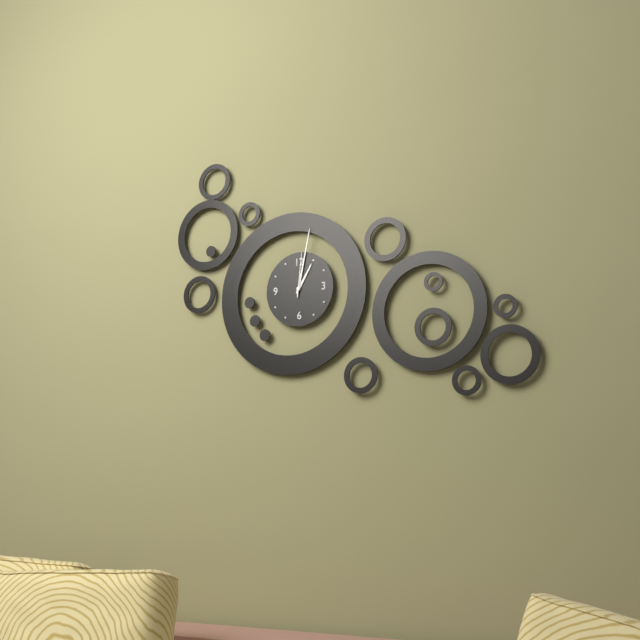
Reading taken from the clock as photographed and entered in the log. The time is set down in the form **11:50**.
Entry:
**1:02**
